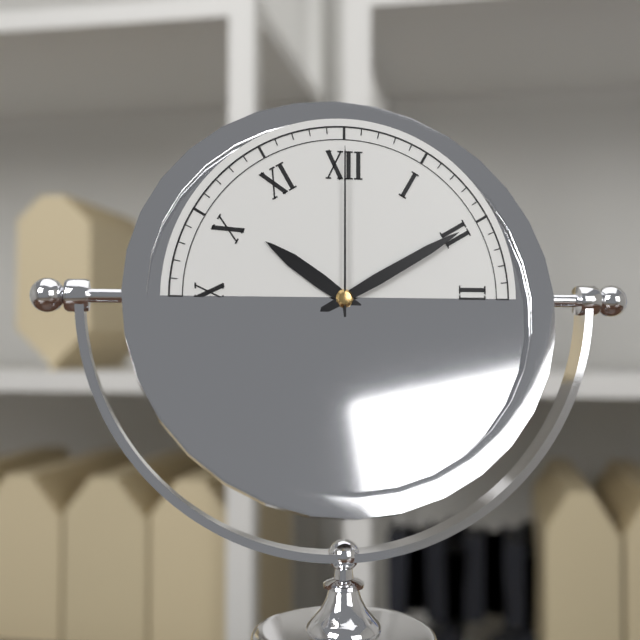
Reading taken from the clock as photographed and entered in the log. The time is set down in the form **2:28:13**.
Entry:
**10:10:00**
